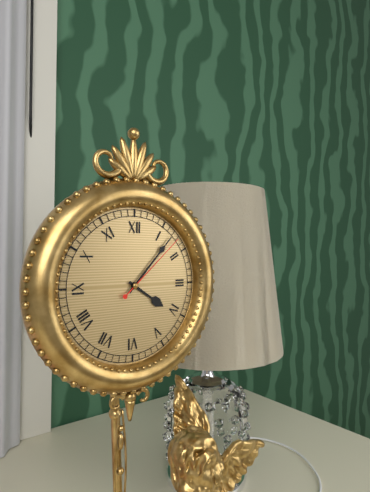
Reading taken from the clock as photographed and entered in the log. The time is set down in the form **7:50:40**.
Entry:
**4:07:08**
